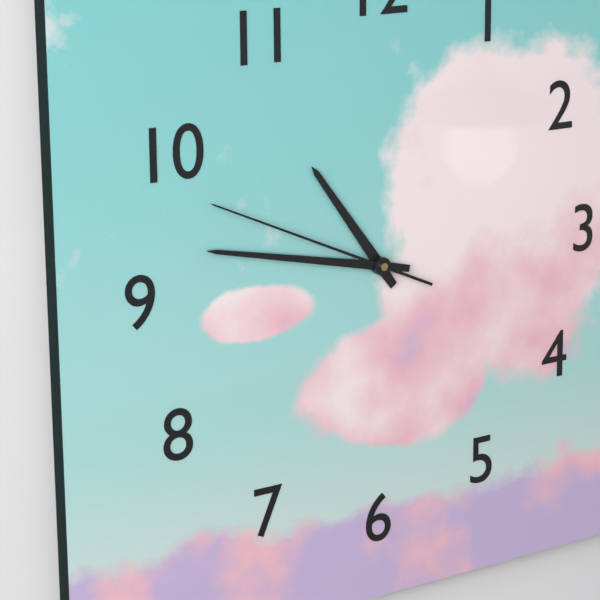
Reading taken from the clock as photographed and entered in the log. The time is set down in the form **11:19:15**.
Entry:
**10:47:49**
